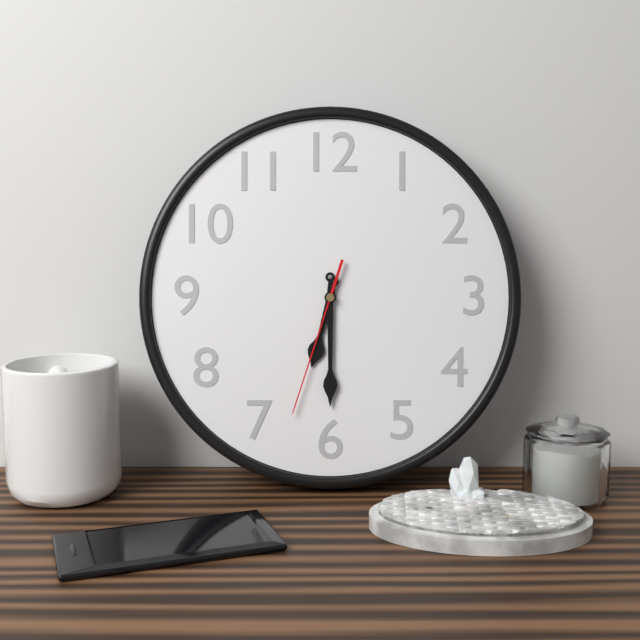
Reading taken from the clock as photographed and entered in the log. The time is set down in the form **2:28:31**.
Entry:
**6:30:33**
